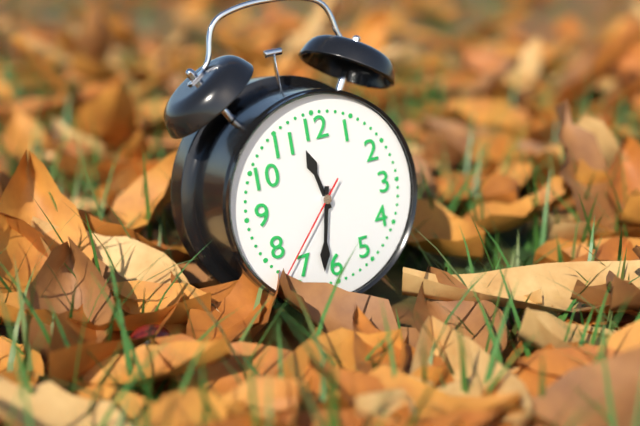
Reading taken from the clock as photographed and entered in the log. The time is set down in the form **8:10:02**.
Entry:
**11:32:37**
